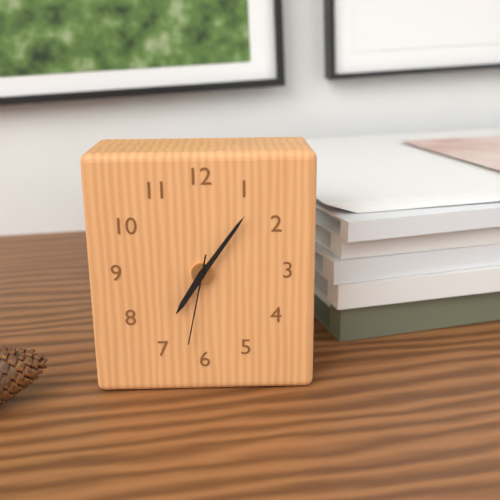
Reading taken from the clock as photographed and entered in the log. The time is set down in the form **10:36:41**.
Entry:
**7:06:32**
